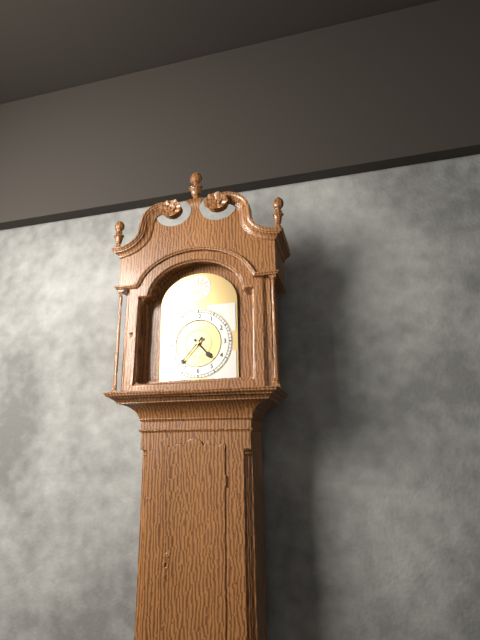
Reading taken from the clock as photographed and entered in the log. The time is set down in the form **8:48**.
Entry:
**4:37**
